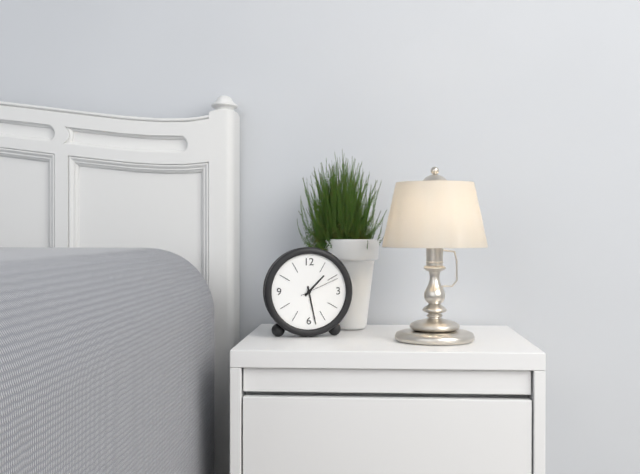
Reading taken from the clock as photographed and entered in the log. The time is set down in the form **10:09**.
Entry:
**1:28**
